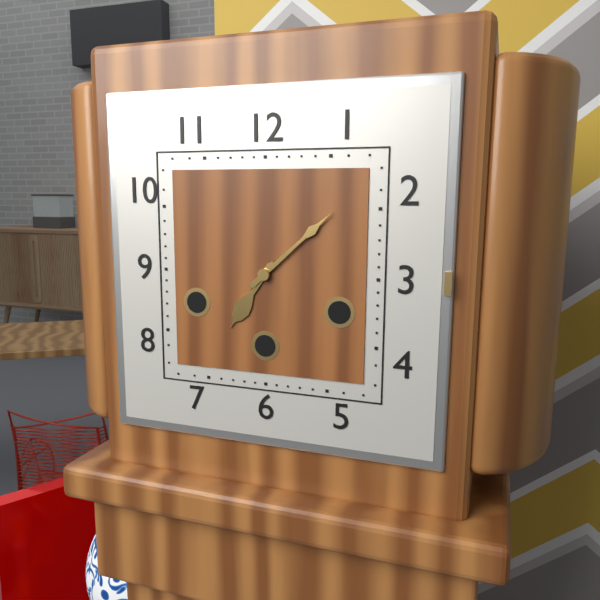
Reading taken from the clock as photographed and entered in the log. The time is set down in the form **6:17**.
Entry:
**7:08**
